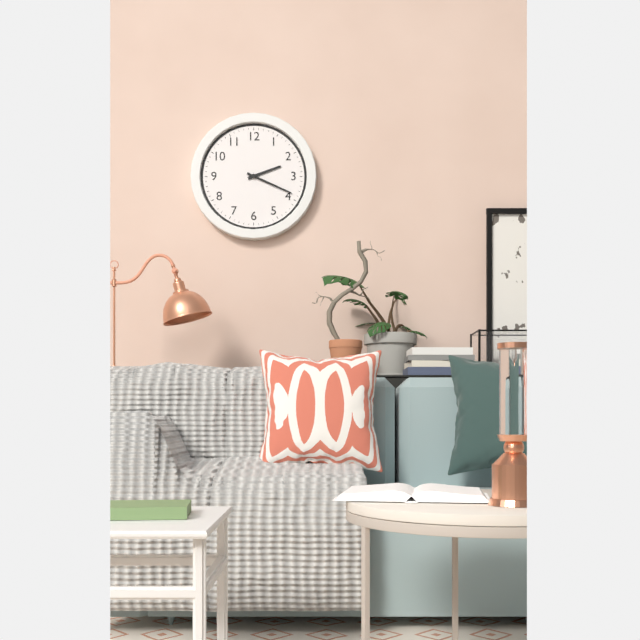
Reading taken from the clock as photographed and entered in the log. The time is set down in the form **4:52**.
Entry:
**2:19**
